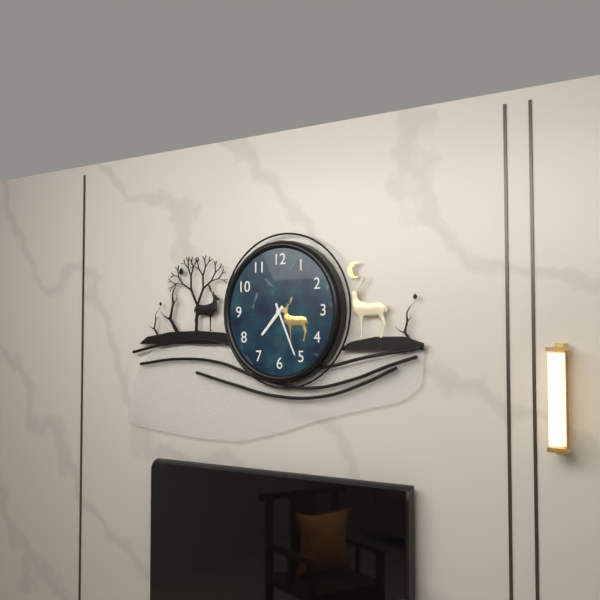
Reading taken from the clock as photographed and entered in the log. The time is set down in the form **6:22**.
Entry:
**7:26**
